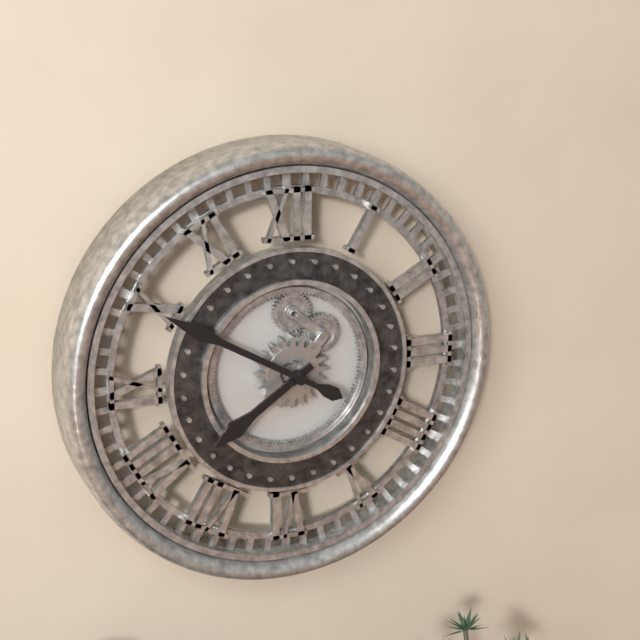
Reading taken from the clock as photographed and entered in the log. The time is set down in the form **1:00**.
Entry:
**7:50**
